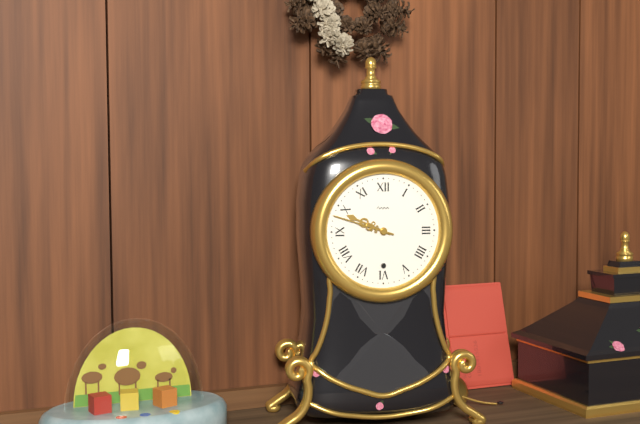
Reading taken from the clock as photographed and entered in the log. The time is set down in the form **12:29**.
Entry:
**9:48**
